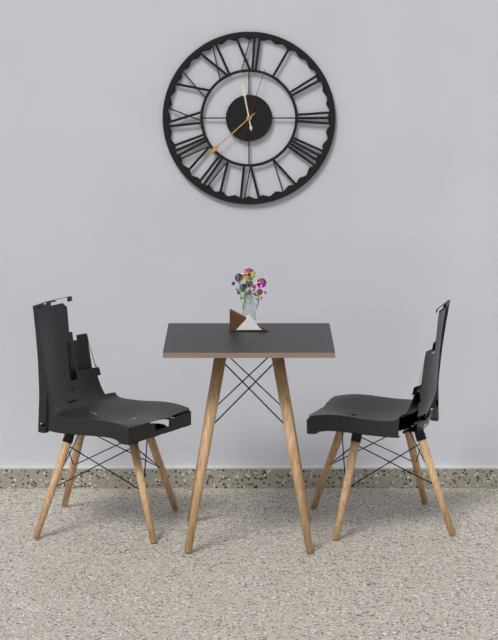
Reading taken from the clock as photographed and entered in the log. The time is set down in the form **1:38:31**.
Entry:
**11:38:03**
